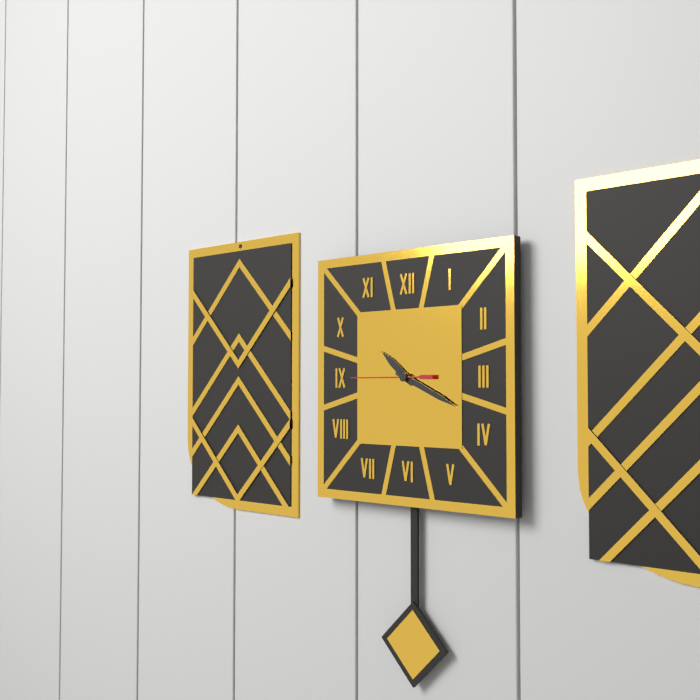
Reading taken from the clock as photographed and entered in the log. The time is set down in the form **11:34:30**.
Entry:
**10:19:45**
